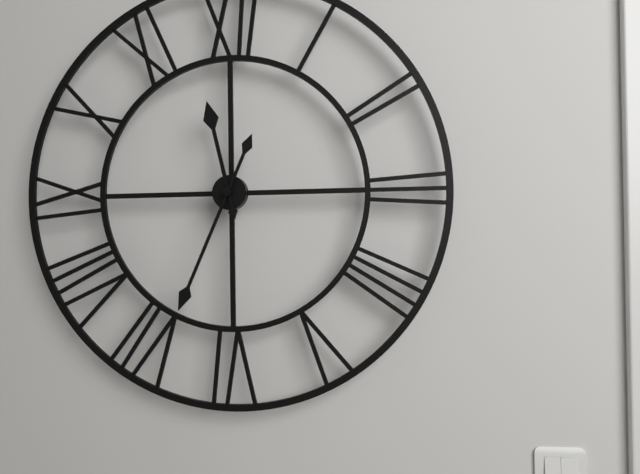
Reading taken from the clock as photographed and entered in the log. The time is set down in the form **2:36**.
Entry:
**11:34**
